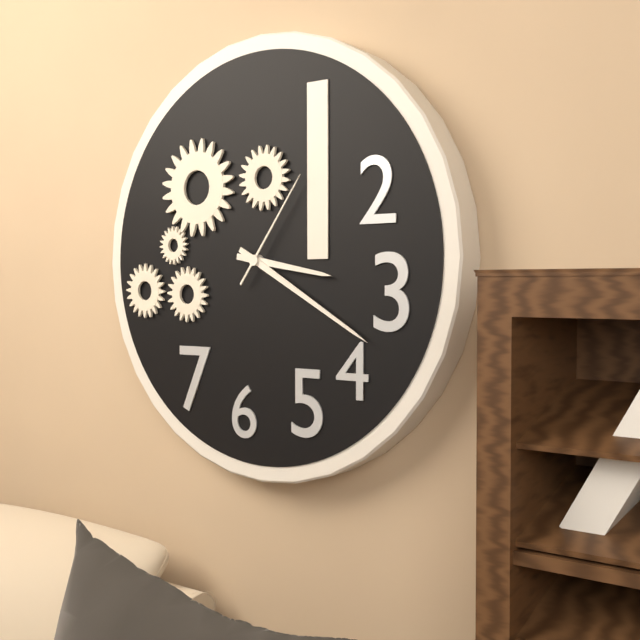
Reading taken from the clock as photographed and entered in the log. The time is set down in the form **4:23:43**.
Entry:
**3:20:06**
